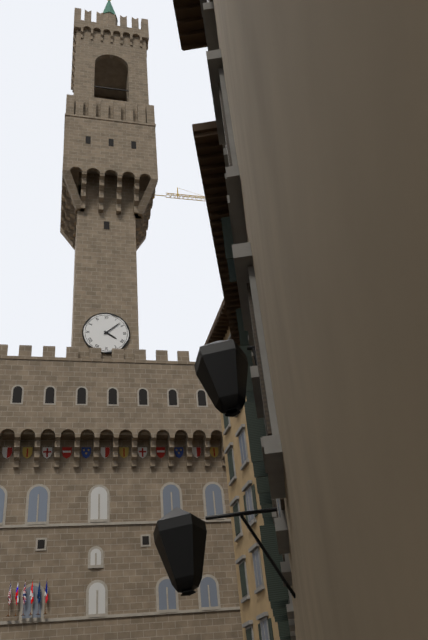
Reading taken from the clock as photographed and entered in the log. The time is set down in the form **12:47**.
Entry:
**4:08**
